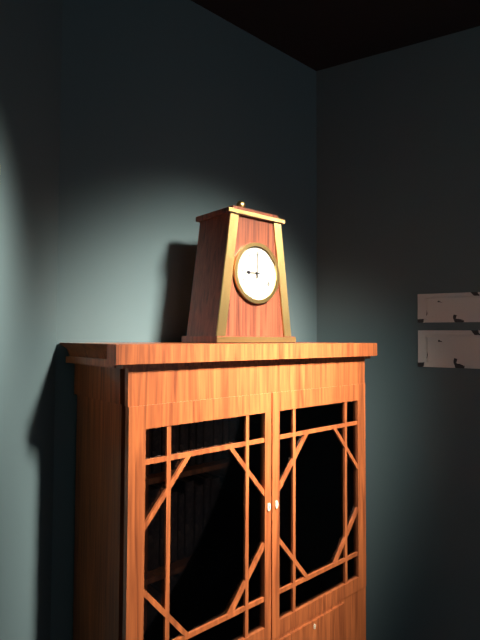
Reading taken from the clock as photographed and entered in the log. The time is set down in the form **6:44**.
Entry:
**9:00**
